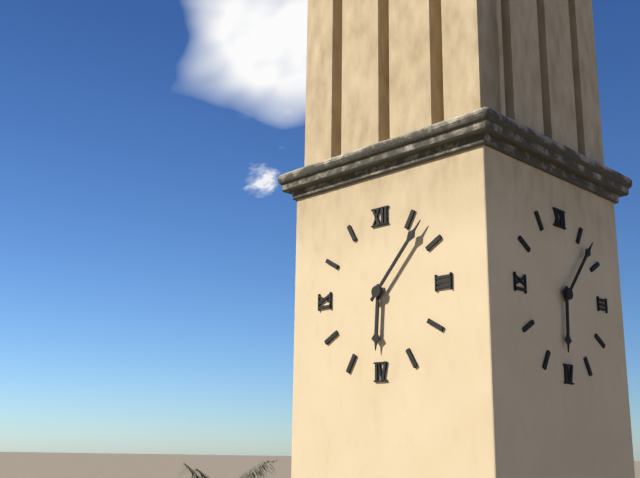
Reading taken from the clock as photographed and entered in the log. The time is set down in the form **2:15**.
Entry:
**6:07**
